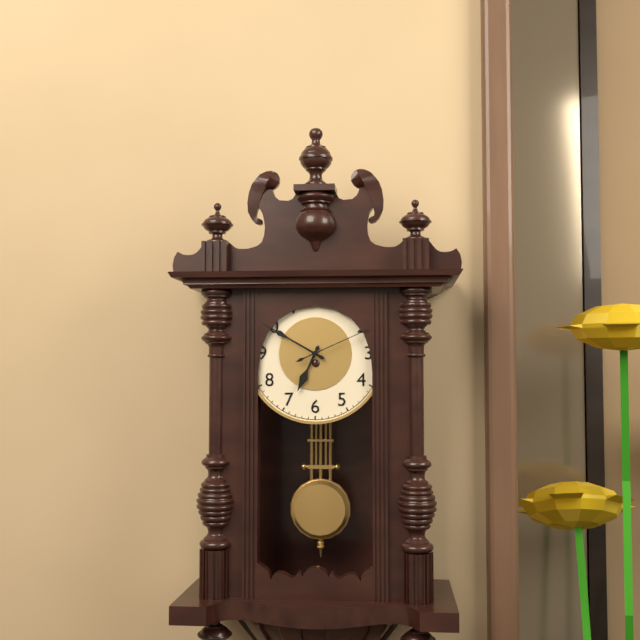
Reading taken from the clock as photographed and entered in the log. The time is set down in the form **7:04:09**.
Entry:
**6:50:11**
